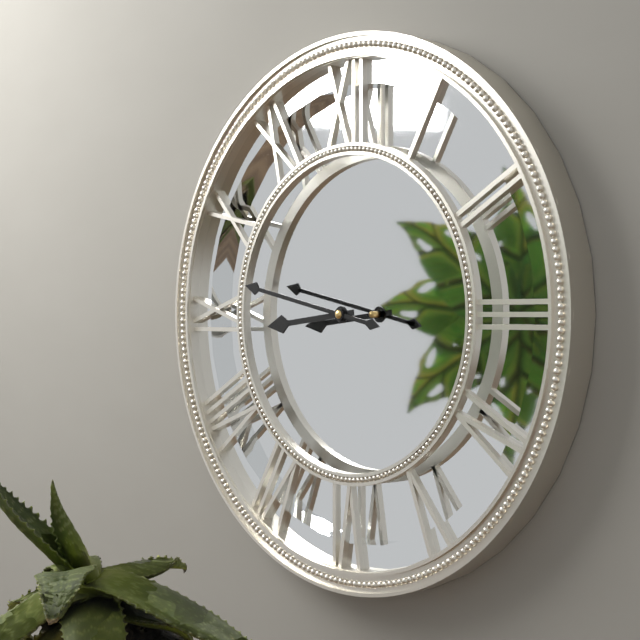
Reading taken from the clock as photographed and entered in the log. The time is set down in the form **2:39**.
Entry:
**8:47**
